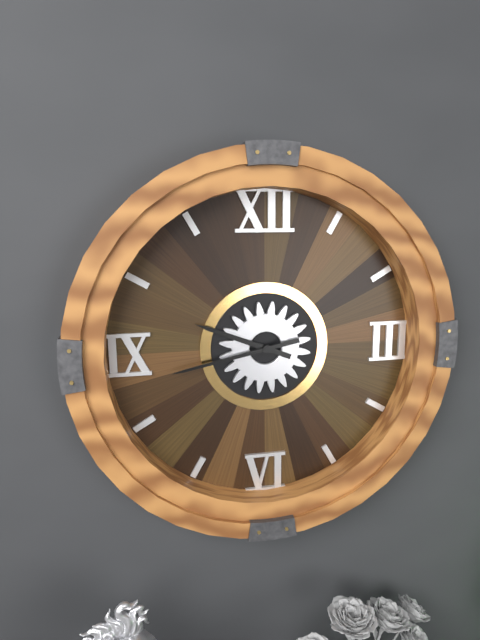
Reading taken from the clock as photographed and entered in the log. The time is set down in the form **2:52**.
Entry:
**9:43**
